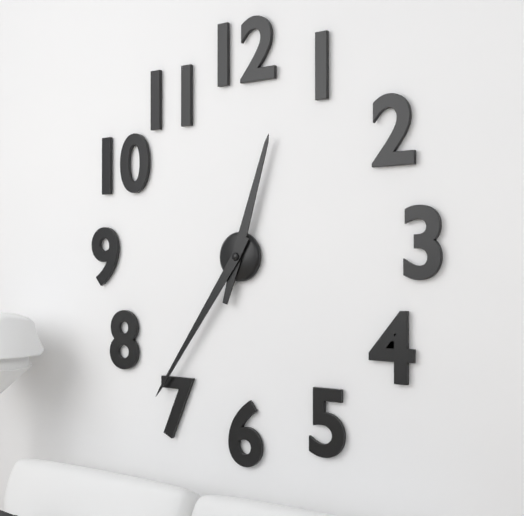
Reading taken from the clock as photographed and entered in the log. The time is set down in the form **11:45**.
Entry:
**12:36**
